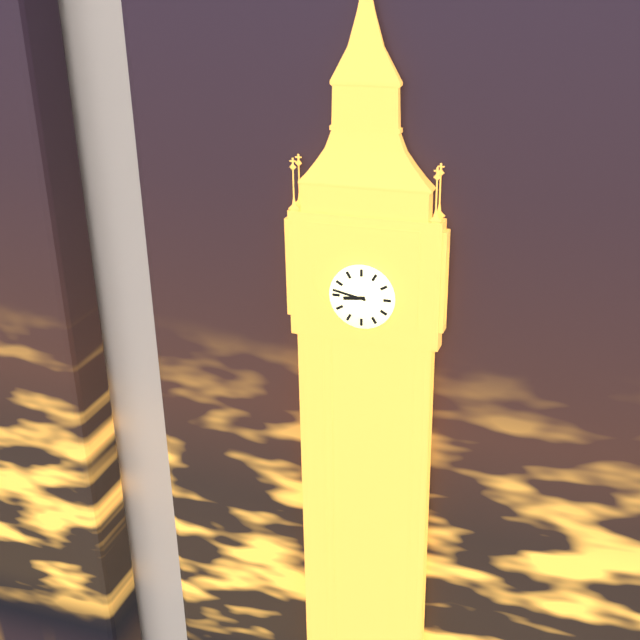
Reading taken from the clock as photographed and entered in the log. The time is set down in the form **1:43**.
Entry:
**8:47**
